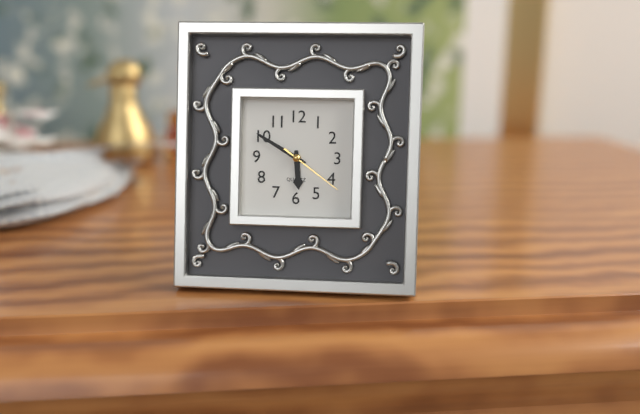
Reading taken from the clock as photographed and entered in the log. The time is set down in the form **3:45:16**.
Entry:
**5:50:21**
